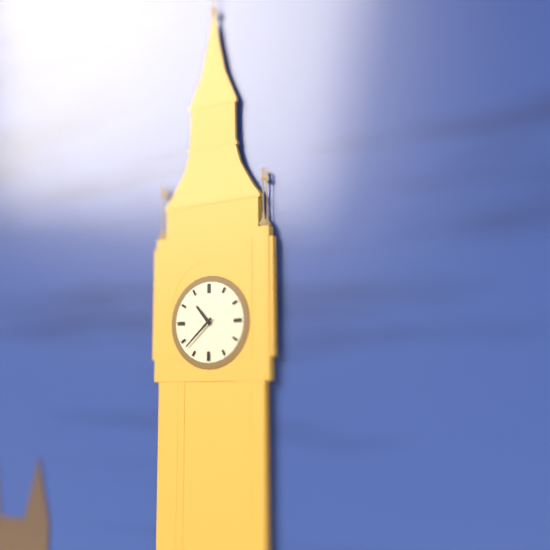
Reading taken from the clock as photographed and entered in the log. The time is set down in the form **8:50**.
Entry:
**10:38**
